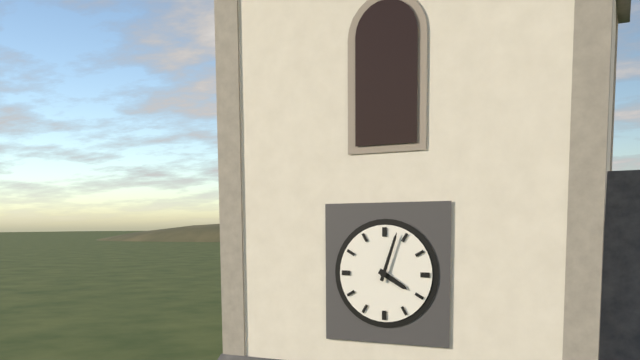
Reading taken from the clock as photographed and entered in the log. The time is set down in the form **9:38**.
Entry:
**4:03**
